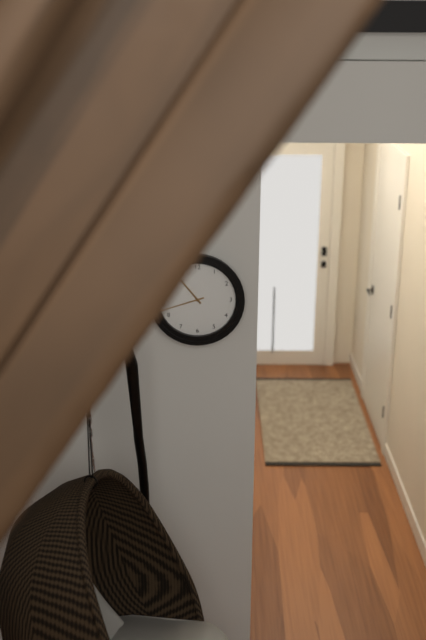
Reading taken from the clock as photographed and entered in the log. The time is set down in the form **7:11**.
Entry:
**10:42**
